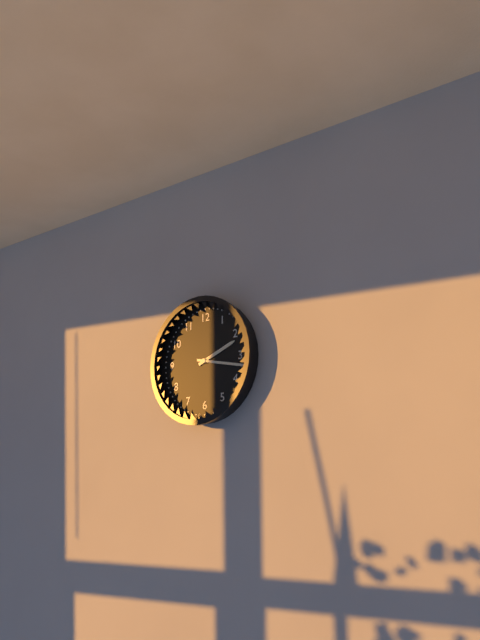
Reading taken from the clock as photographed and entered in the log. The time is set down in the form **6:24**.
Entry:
**2:17**
